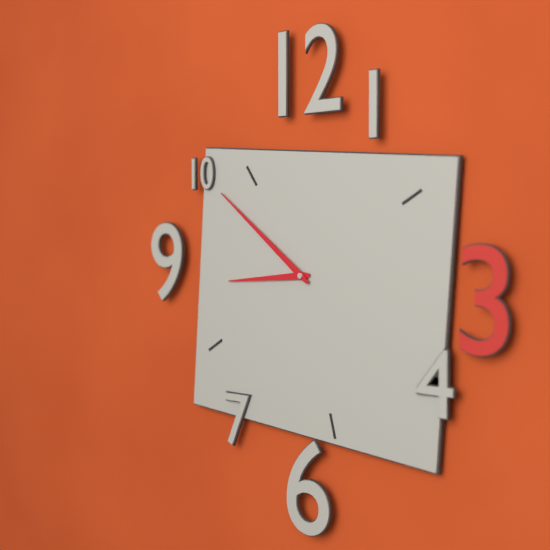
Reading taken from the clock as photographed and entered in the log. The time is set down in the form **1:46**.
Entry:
**8:51**
